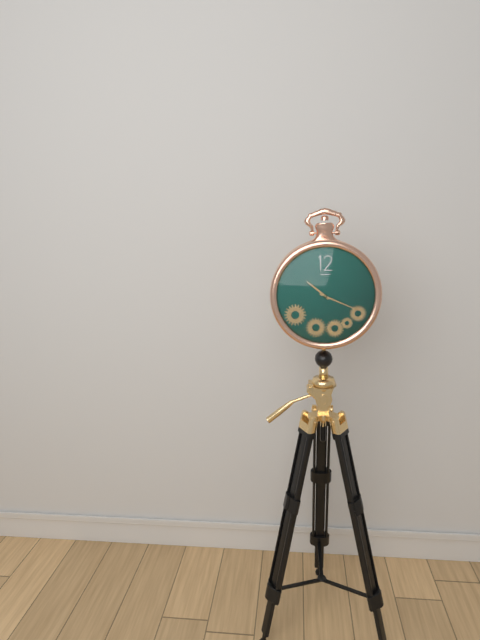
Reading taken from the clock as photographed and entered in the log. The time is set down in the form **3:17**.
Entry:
**10:19**
